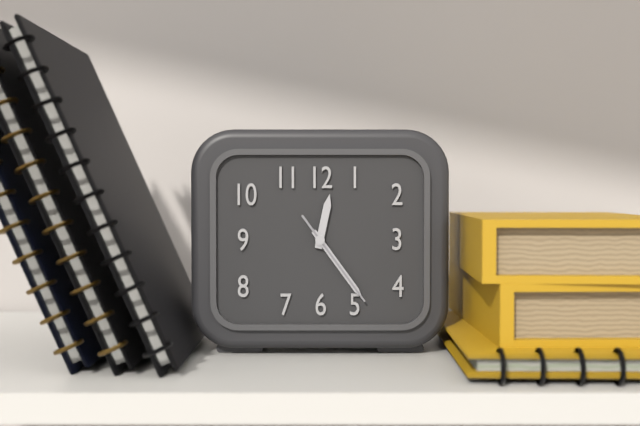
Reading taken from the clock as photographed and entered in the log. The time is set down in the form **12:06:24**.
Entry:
**12:24:24**
